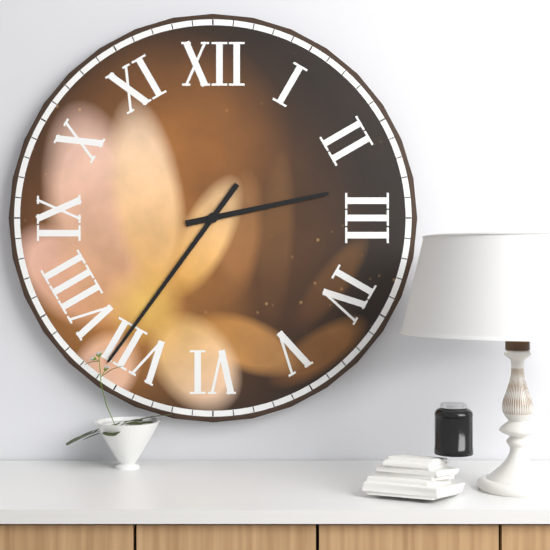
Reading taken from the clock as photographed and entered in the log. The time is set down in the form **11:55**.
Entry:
**2:36**
